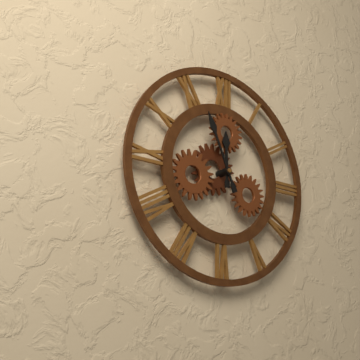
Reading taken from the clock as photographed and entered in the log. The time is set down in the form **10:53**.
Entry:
**11:56**
